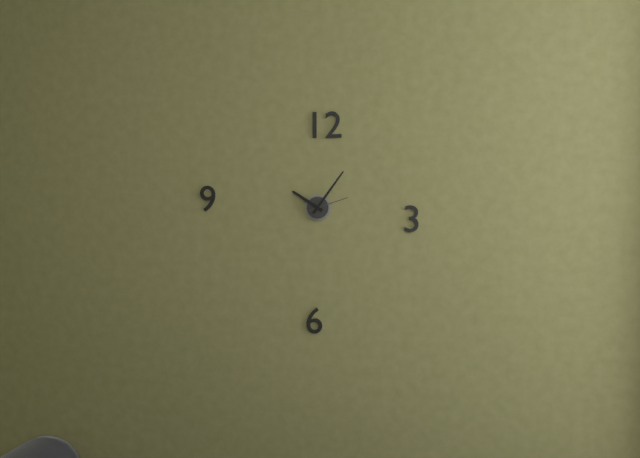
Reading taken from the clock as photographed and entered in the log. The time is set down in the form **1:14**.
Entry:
**10:06**
